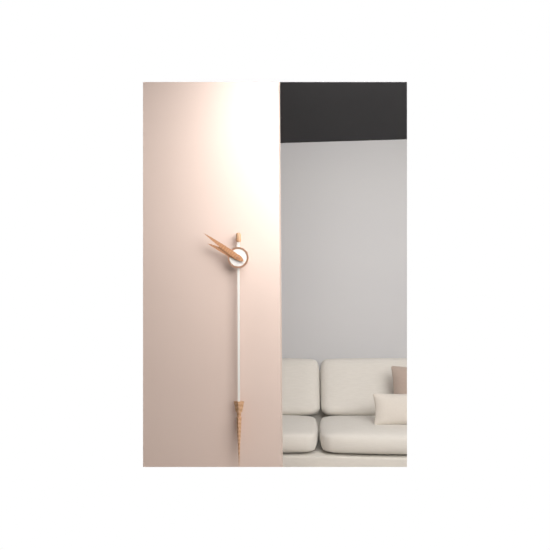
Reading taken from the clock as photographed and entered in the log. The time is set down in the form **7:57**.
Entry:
**9:51**
